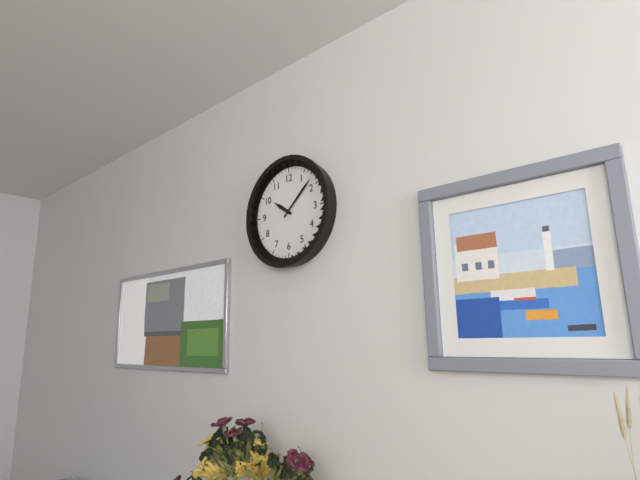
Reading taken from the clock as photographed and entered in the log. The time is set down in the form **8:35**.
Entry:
**10:08**
